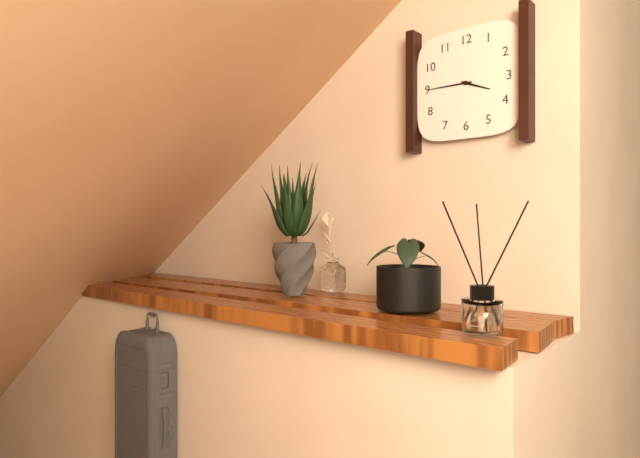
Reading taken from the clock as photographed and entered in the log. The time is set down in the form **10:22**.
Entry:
**3:45**
